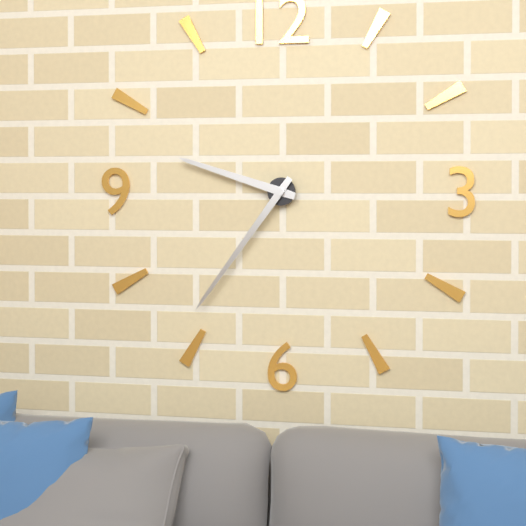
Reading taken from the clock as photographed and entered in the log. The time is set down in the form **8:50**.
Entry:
**9:36**
